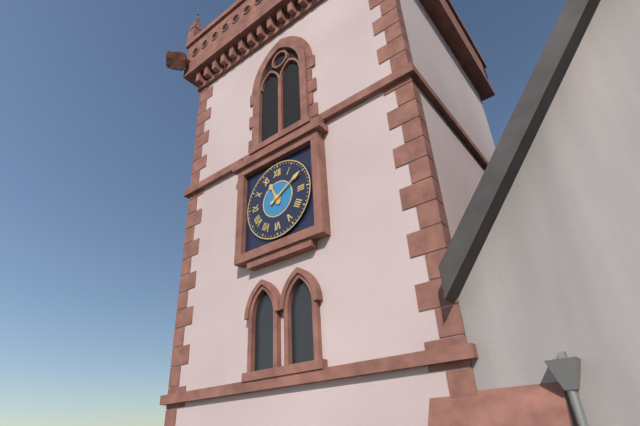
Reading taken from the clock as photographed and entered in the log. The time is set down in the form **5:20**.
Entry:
**11:10**
